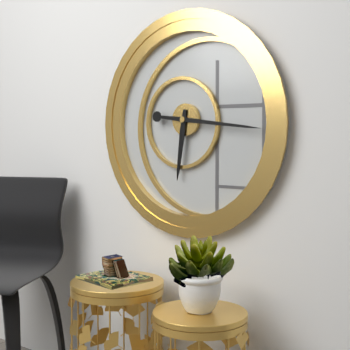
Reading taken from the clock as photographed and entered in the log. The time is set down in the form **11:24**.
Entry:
**6:16**
